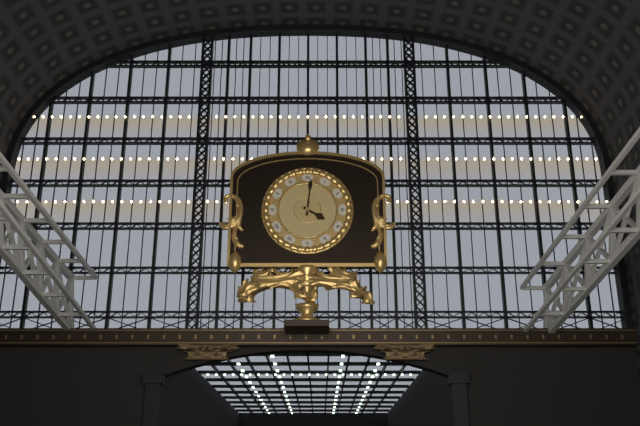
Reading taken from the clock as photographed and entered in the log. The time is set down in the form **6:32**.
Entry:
**4:01**
